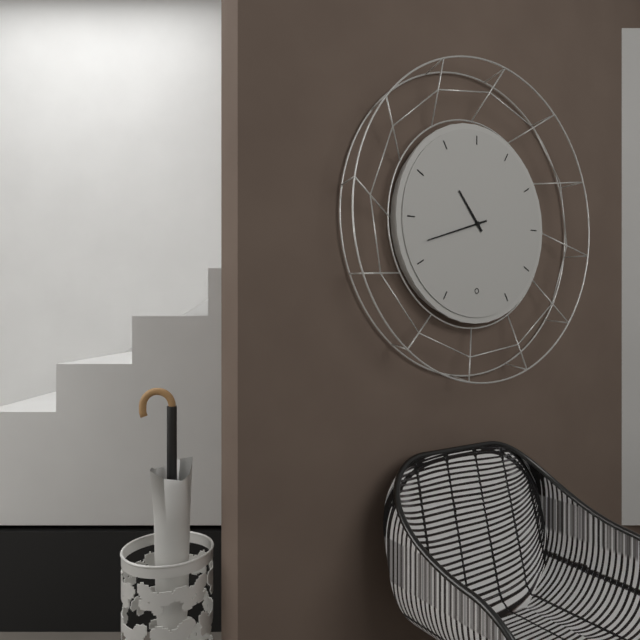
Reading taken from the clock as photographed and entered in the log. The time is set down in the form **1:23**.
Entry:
**10:42**
